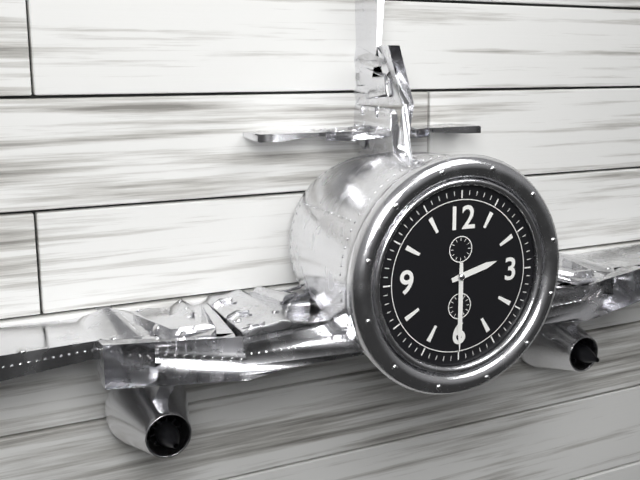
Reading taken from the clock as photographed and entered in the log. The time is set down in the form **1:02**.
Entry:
**2:30**
